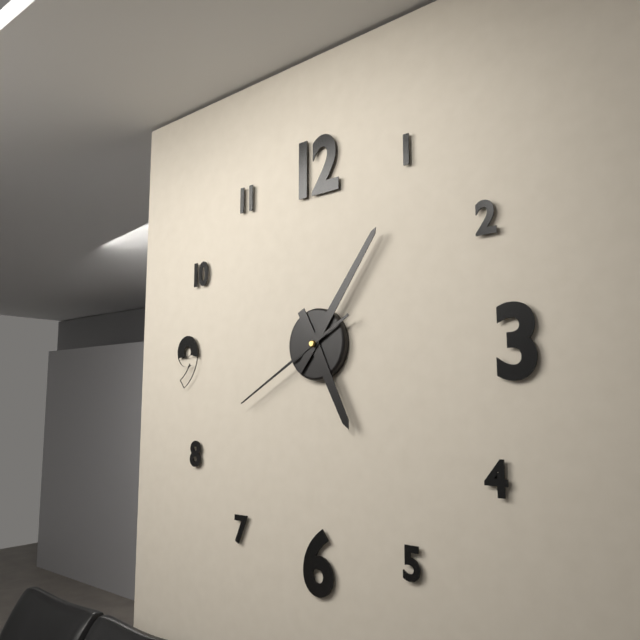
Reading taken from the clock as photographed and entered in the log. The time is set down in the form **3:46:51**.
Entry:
**5:06:40**
